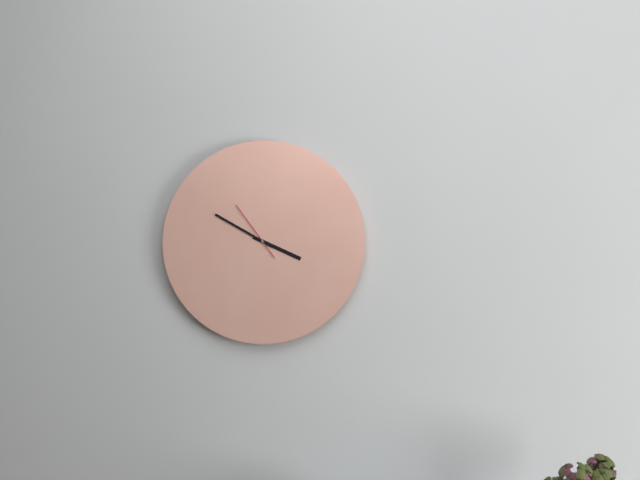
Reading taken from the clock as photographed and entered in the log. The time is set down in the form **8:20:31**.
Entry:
**3:50:54**
